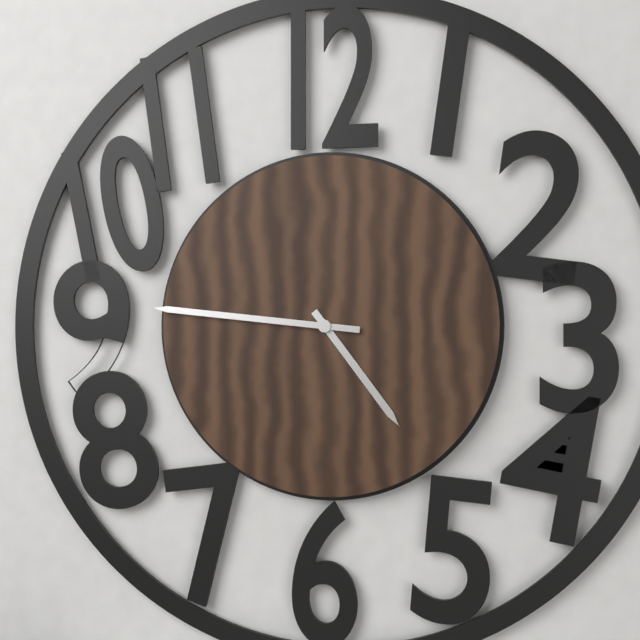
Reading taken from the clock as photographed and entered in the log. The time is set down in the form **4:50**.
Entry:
**4:46**
